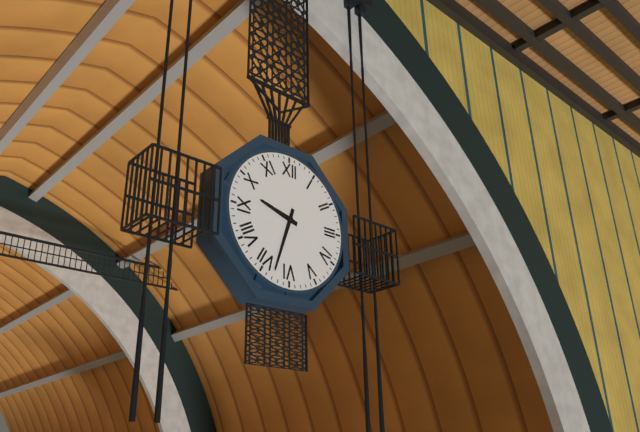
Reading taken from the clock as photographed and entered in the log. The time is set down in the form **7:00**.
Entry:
**9:33**
